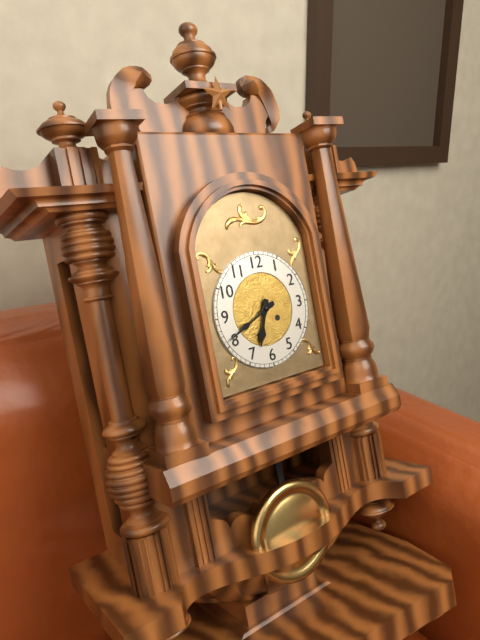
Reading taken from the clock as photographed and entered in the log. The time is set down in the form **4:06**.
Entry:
**6:41**
